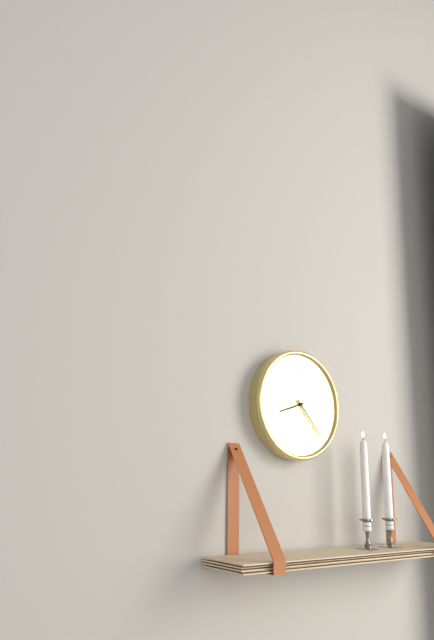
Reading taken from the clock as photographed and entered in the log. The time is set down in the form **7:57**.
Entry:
**8:23**
